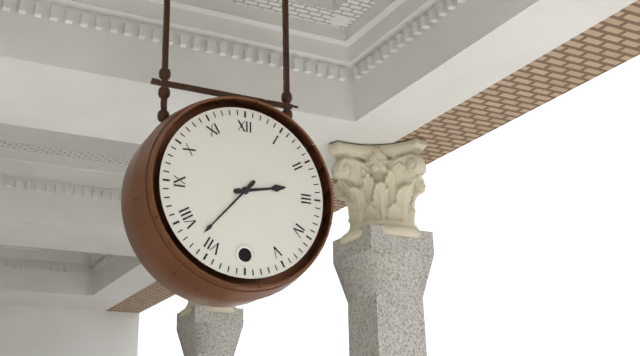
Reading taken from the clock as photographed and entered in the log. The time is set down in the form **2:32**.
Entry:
**2:37**
